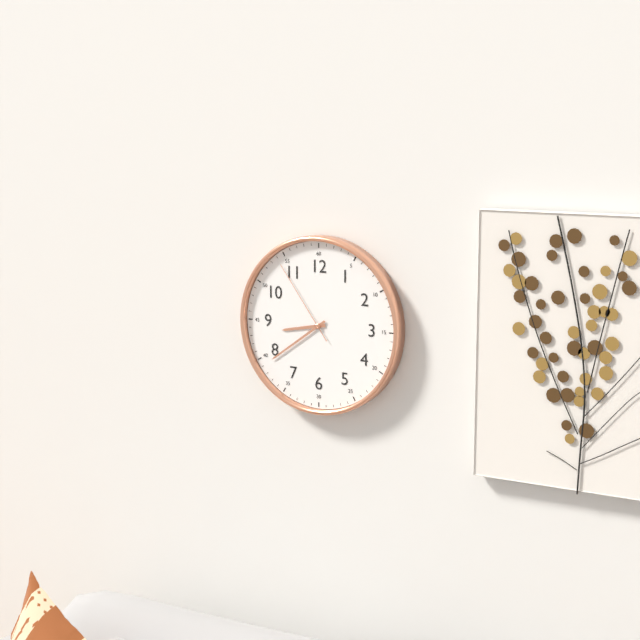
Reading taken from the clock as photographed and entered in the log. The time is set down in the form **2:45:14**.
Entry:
**8:39:54**
